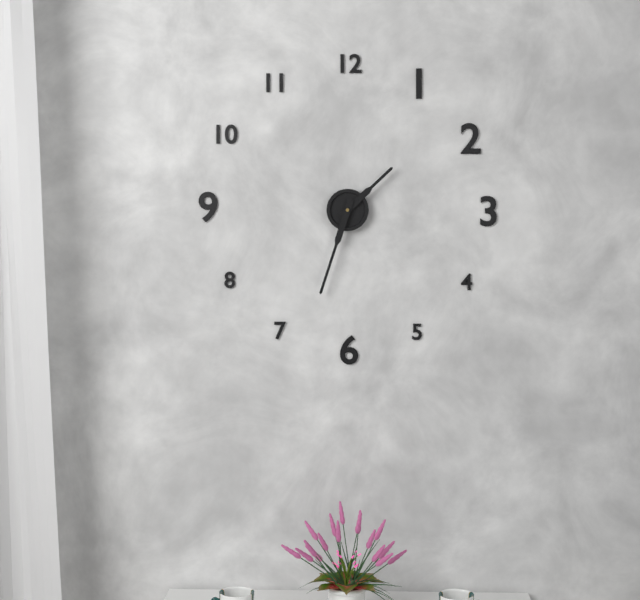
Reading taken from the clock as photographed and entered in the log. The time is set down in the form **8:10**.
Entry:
**1:33**
